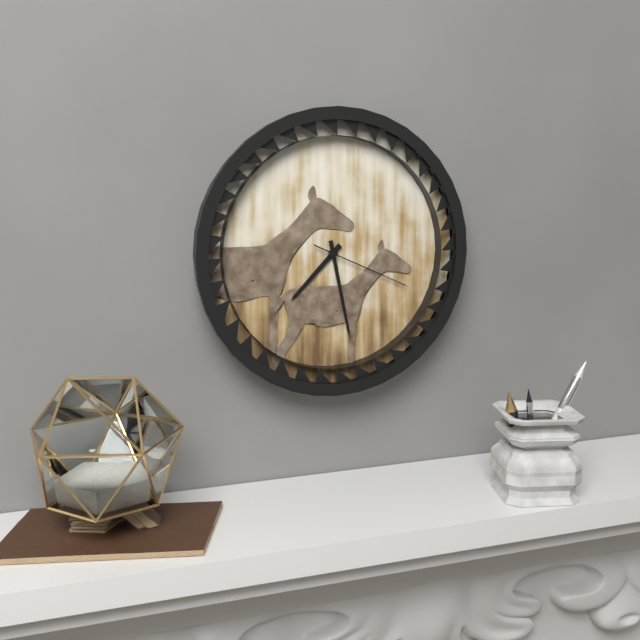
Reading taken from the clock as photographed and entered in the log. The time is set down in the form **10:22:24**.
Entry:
**7:28:19**
